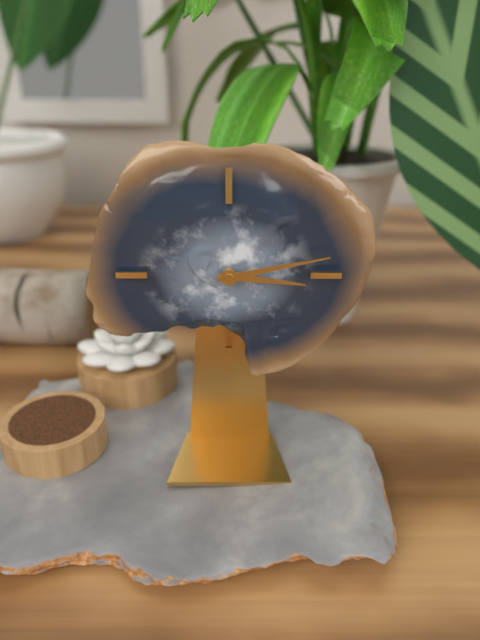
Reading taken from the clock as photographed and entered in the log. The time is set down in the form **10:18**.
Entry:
**3:13**
